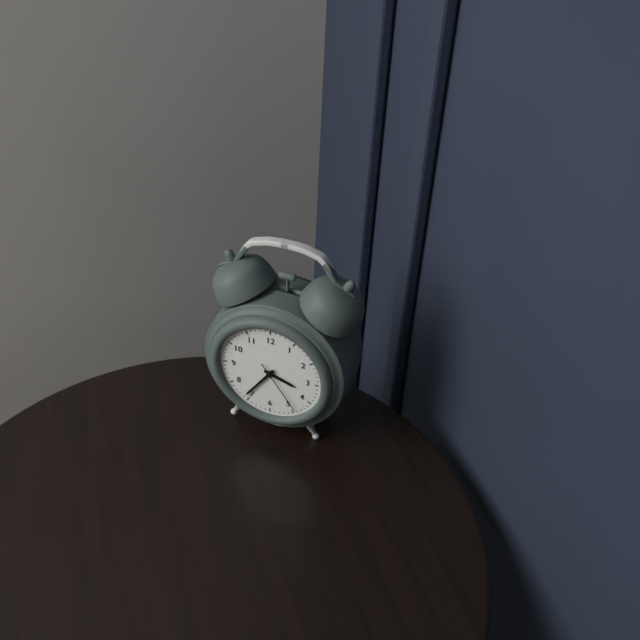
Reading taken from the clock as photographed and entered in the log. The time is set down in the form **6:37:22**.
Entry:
**3:36:24**
